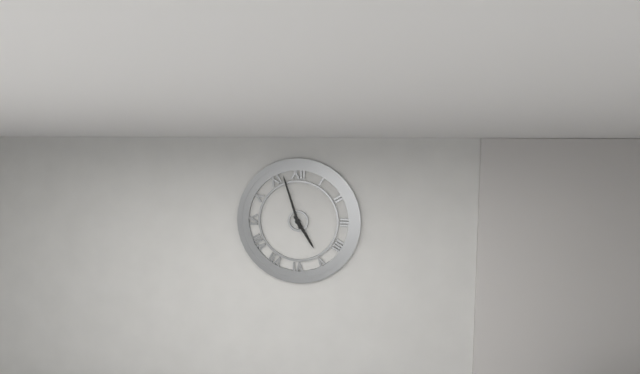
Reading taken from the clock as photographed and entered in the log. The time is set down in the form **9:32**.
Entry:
**4:57**
